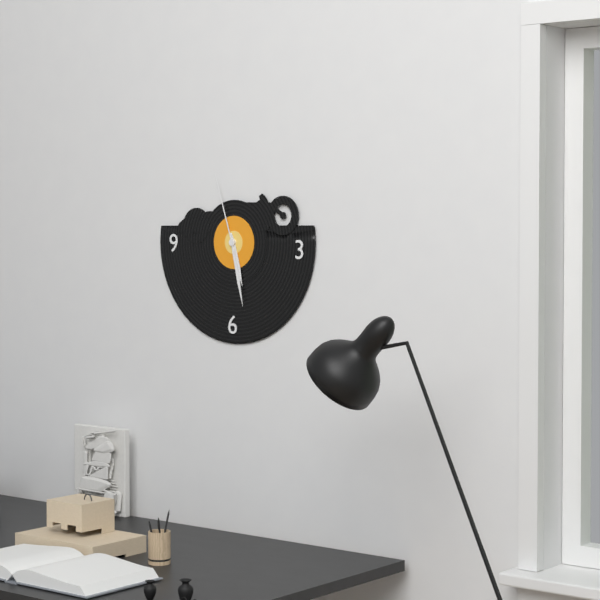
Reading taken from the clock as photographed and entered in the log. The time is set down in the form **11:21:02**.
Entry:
**5:28:57**
